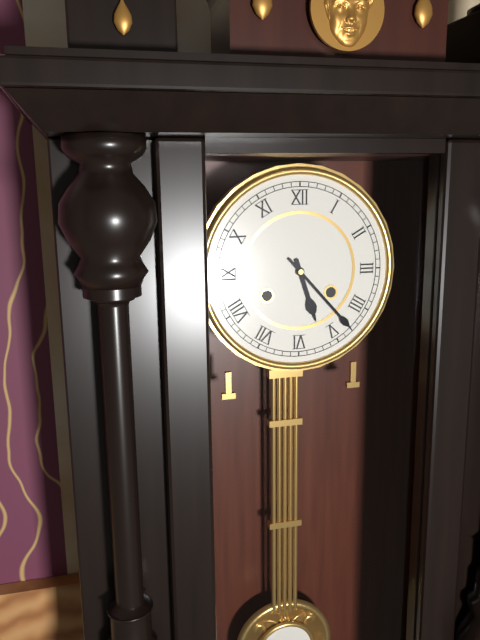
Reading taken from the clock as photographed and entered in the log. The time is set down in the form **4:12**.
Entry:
**5:23**
